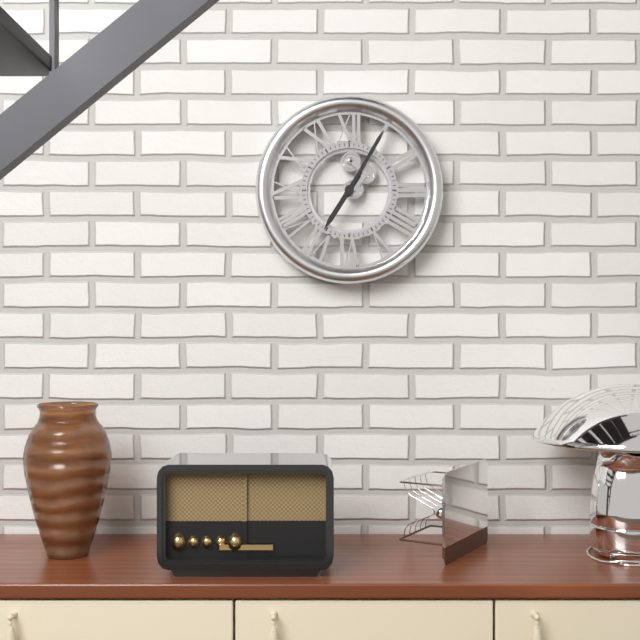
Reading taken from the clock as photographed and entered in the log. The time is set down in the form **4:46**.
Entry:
**7:05**
